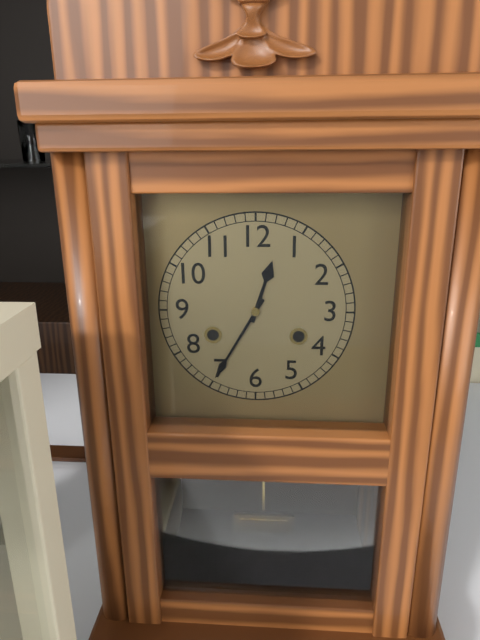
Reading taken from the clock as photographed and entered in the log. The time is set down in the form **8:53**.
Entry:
**12:35**
